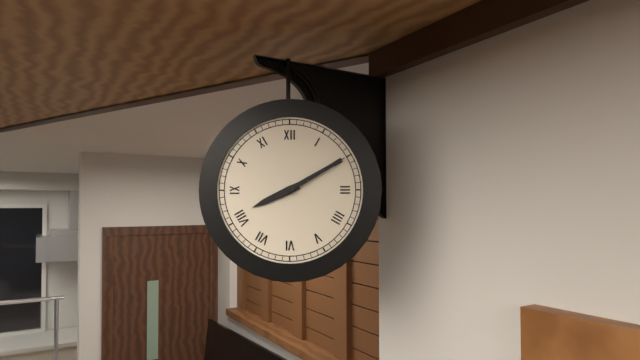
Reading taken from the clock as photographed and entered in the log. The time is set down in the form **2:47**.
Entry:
**8:10**
